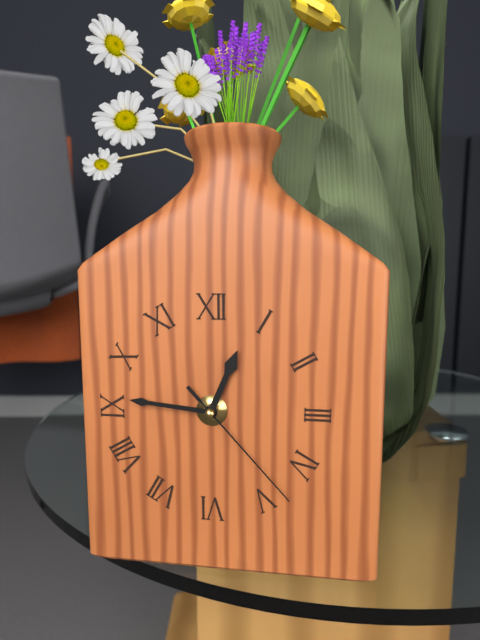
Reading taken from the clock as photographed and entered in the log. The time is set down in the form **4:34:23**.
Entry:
**12:46:23**
